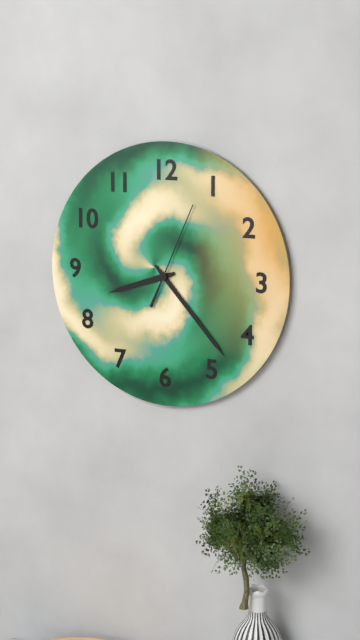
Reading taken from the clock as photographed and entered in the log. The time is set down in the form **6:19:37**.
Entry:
**8:23:04**
